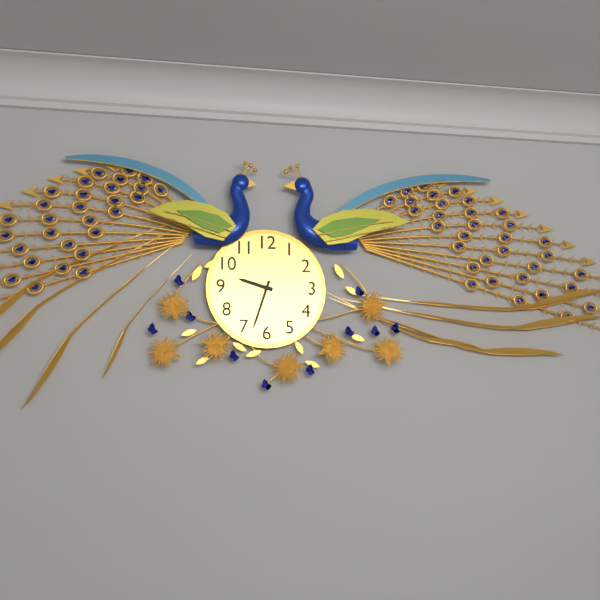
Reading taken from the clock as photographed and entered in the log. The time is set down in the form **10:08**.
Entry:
**9:33**
